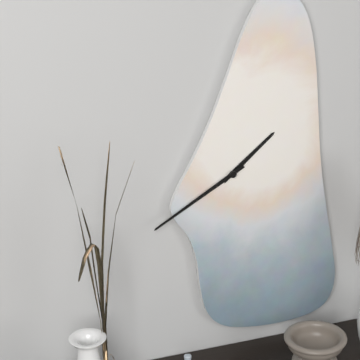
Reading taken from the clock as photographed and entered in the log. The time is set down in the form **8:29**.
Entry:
**1:40**
